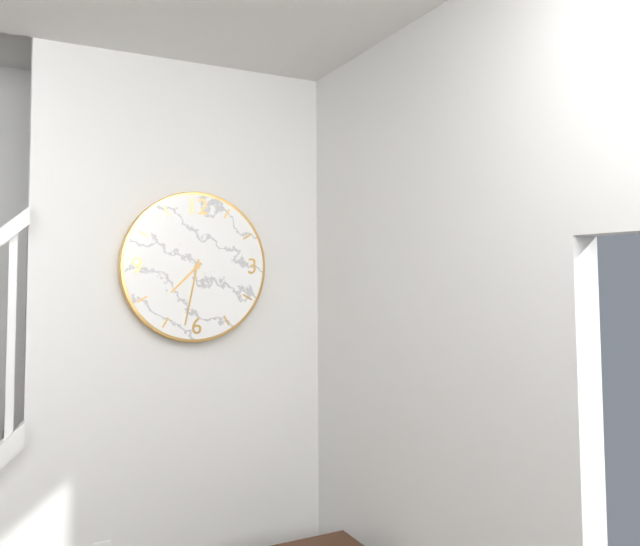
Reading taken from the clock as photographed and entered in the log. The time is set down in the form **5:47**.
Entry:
**7:32**
